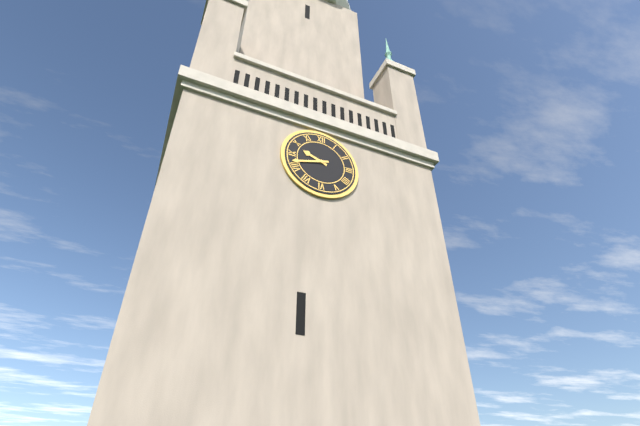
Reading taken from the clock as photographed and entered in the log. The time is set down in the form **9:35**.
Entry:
**9:42**
